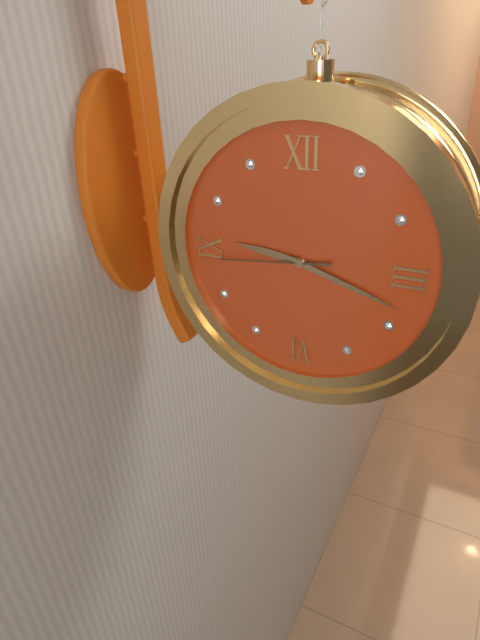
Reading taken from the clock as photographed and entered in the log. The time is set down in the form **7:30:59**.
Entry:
**9:18:44**
